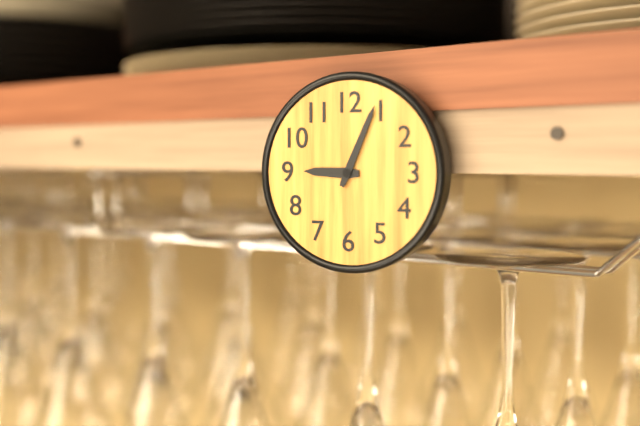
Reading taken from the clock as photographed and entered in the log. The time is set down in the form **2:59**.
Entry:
**9:04**
